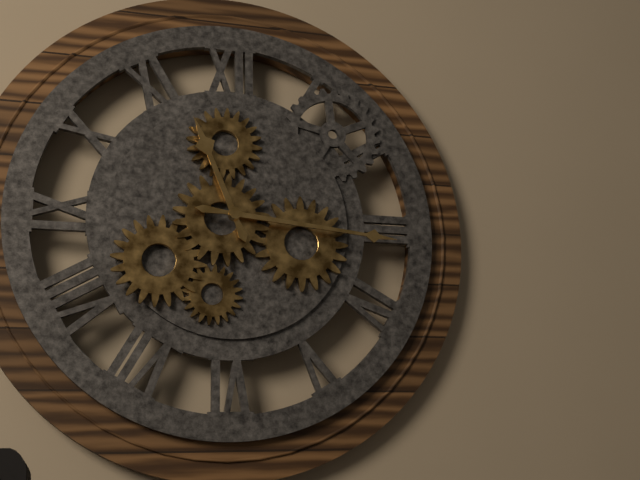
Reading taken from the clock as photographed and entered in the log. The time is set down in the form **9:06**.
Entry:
**11:16**
